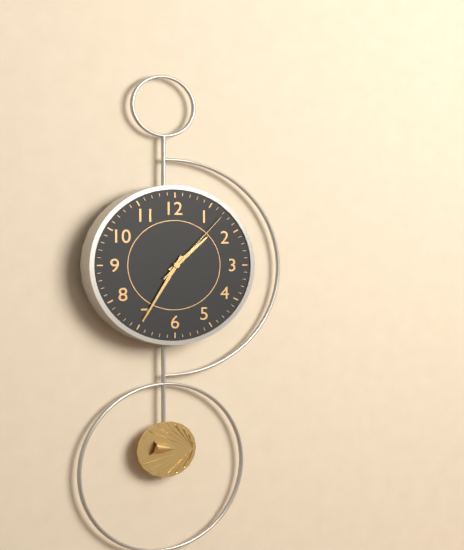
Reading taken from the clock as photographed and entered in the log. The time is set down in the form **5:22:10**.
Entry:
**1:35:07**
